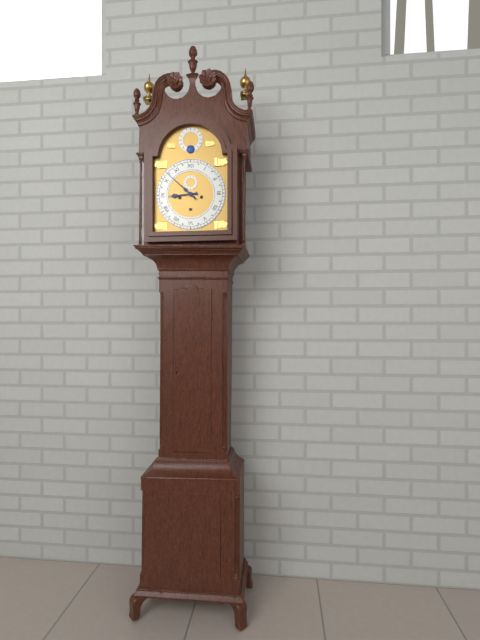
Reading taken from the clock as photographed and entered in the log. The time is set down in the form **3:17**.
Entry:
**8:52**
